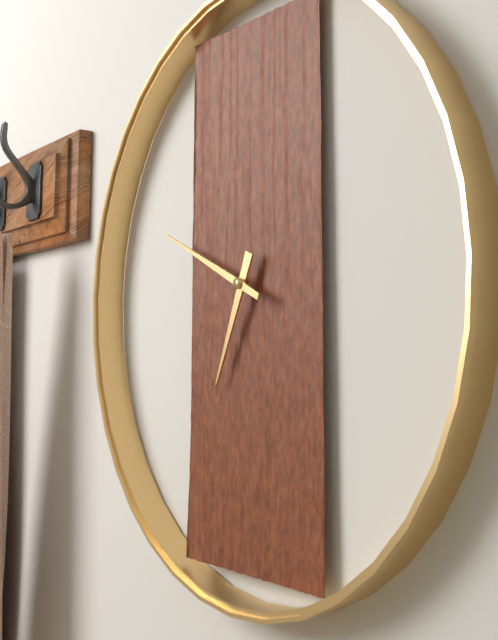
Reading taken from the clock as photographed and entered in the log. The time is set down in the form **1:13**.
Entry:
**6:49**
